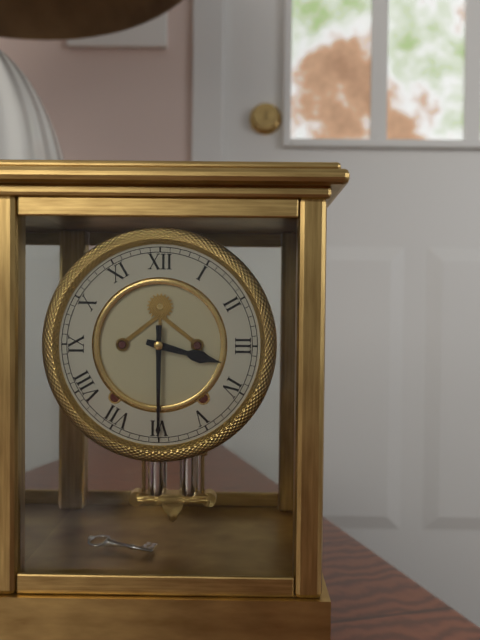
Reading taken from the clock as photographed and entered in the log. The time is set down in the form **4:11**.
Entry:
**3:30**
